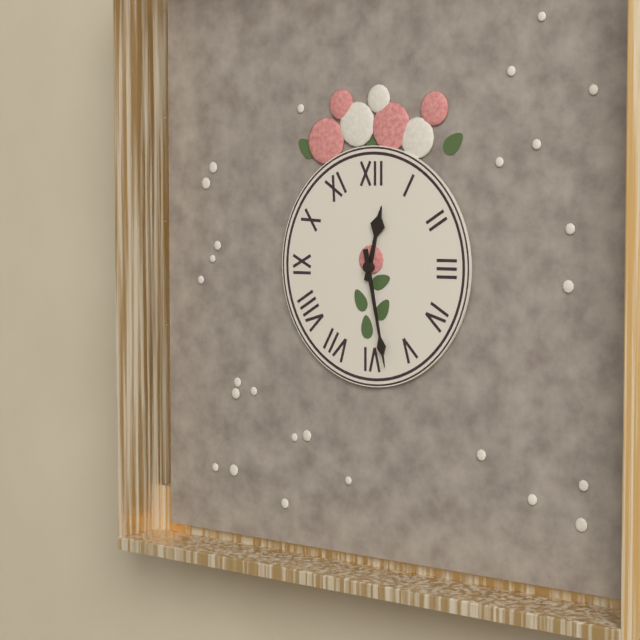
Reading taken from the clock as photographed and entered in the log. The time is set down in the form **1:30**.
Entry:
**12:28**
